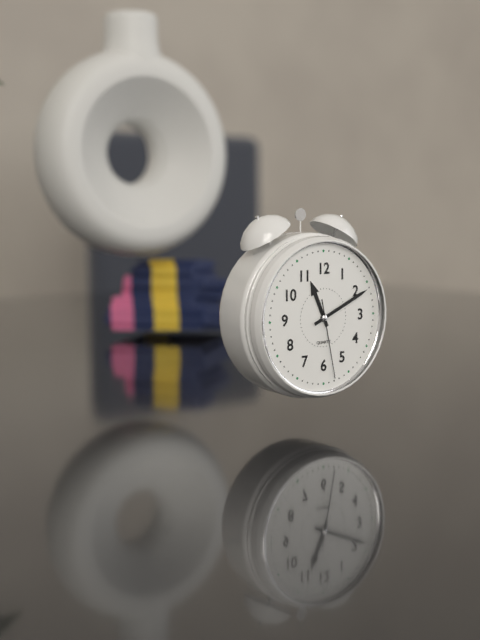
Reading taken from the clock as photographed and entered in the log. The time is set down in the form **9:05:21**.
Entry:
**11:11:28**
